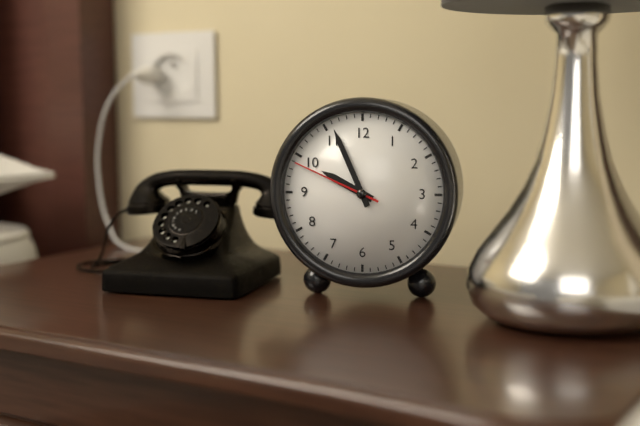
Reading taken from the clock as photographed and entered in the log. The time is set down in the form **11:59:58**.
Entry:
**9:56:49**
